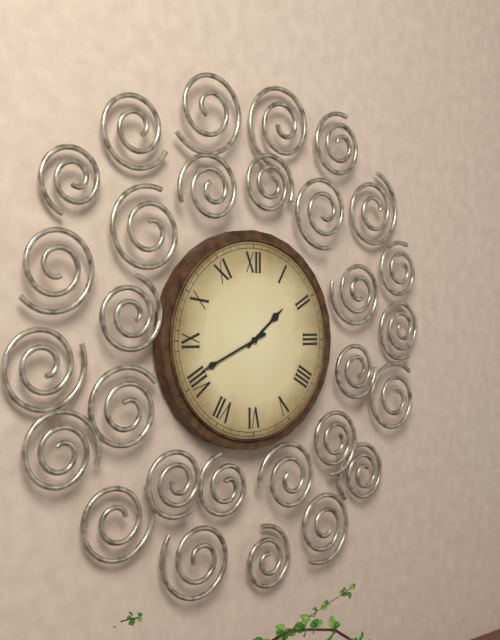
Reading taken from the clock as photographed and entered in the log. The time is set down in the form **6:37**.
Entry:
**1:41**
